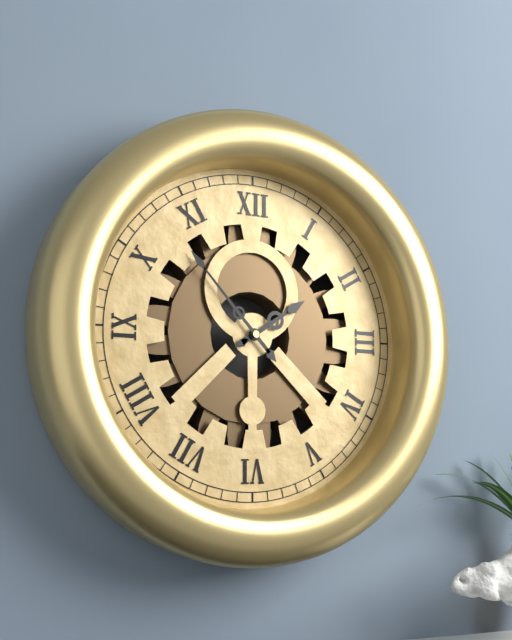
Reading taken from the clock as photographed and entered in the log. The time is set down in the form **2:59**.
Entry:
**1:53**
